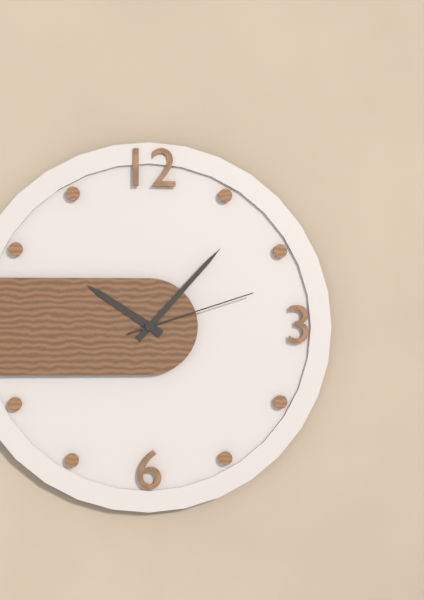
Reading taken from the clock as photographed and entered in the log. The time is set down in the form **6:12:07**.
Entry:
**10:07:12**
